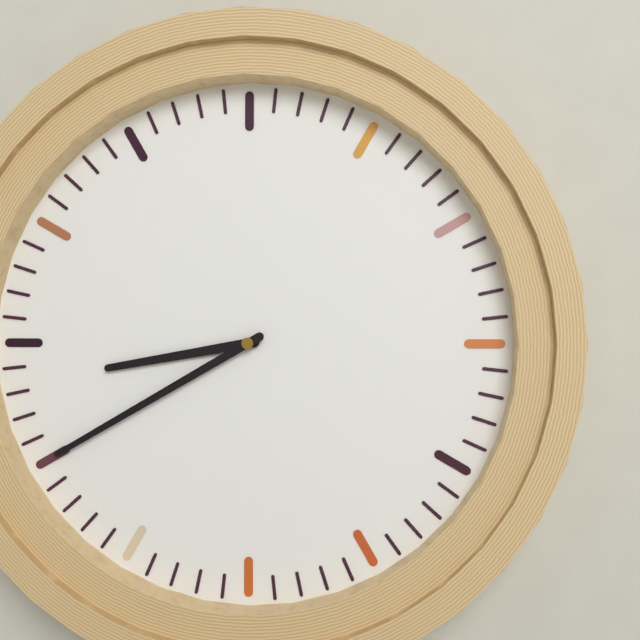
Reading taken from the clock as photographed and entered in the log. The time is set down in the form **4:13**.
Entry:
**8:40**
